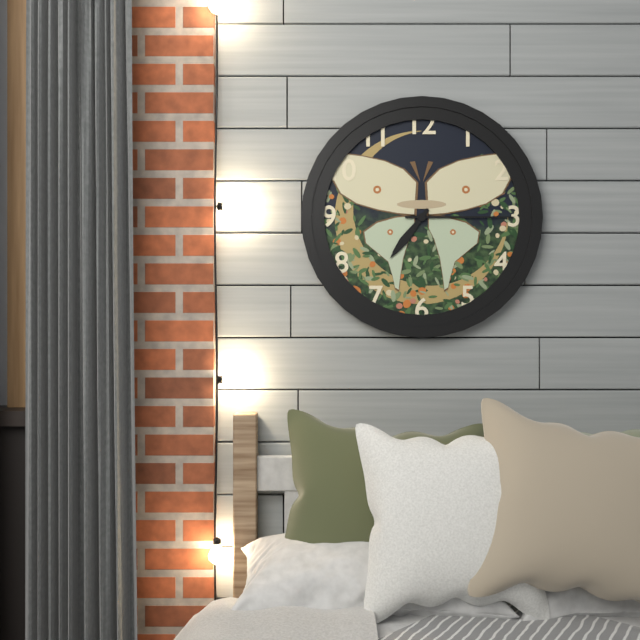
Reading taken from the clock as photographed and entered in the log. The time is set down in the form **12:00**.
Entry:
**7:15**
